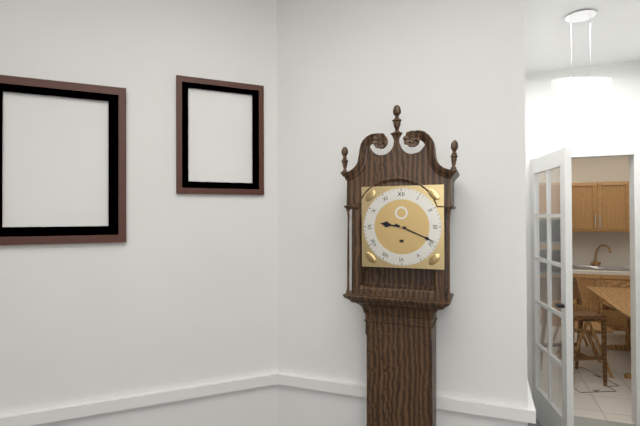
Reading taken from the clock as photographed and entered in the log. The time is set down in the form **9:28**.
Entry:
**9:19**
